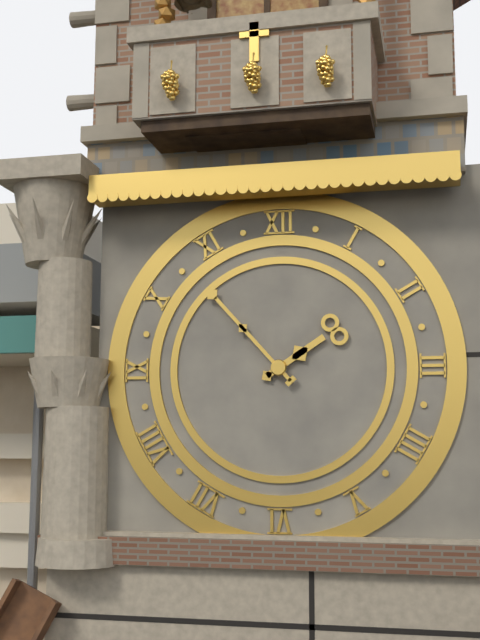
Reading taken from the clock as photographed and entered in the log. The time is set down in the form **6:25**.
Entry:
**1:53**
